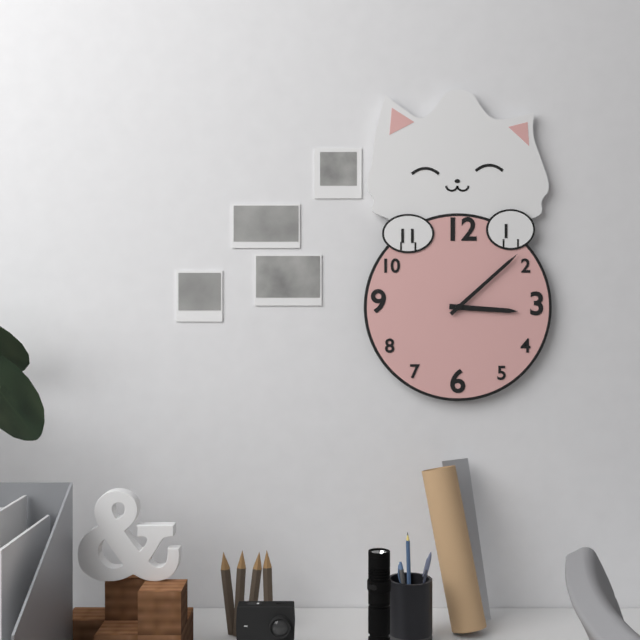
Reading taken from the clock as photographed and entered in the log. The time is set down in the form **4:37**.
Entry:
**3:08**
